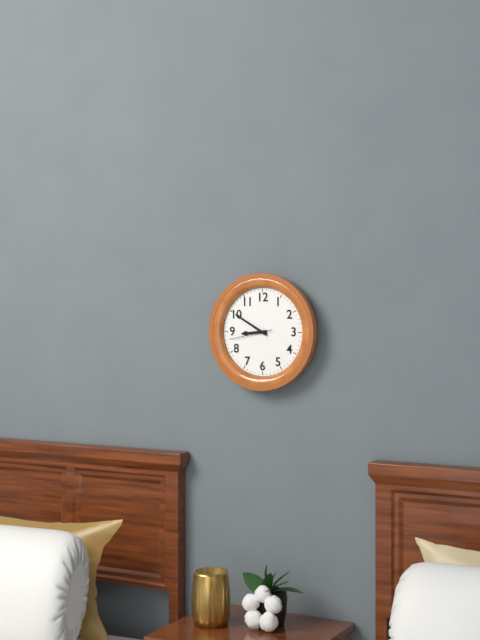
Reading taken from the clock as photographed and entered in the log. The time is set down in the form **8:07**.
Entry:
**8:50**
